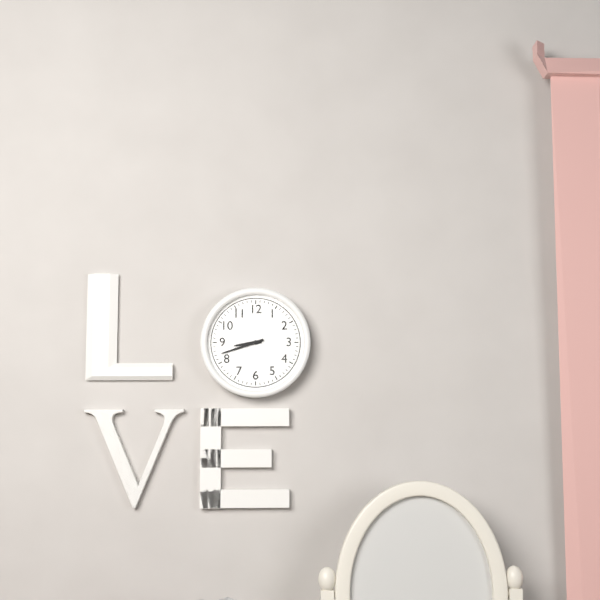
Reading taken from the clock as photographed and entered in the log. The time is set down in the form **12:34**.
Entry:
**8:42**
